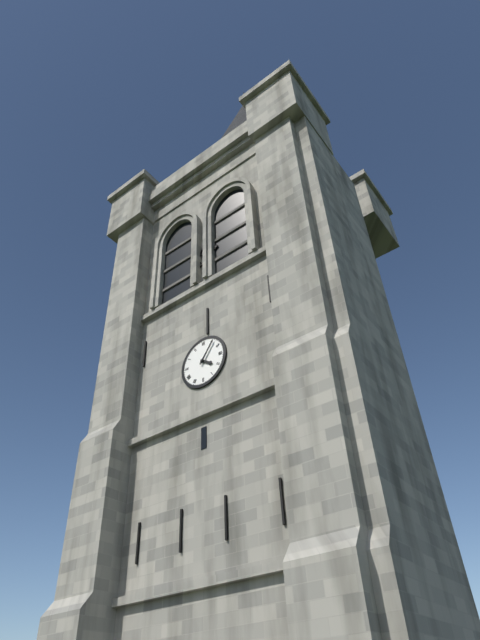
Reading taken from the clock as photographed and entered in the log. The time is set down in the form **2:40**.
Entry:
**4:06**
